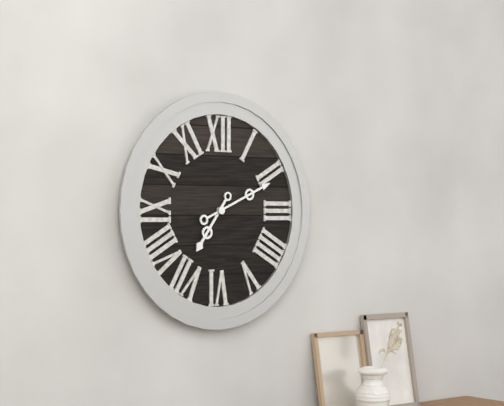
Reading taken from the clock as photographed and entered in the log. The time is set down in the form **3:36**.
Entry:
**7:11**
